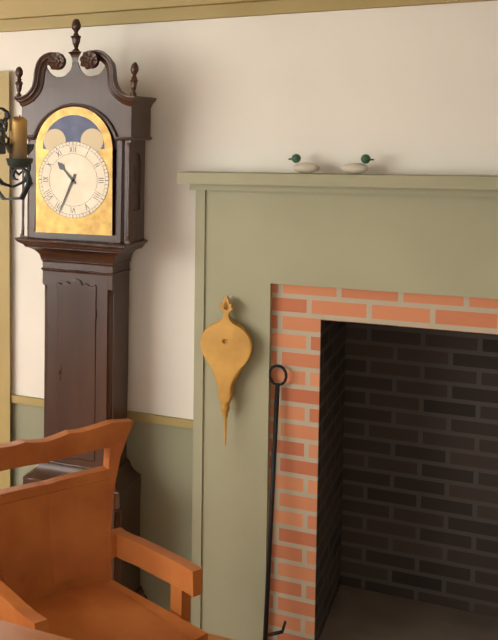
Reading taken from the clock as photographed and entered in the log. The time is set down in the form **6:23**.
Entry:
**10:34**
